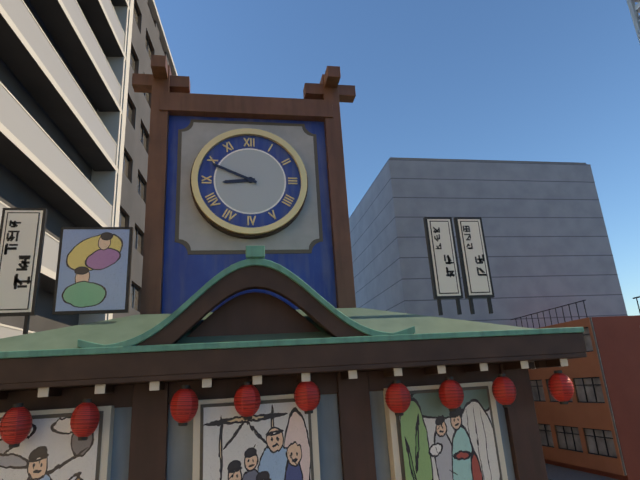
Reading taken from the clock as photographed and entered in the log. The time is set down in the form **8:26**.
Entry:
**8:49**
